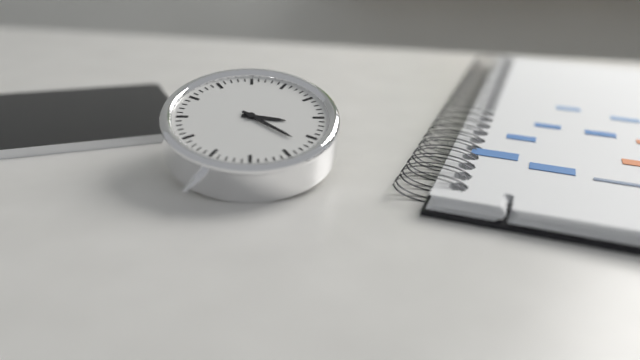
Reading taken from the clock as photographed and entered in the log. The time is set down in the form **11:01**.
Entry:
**3:22**
